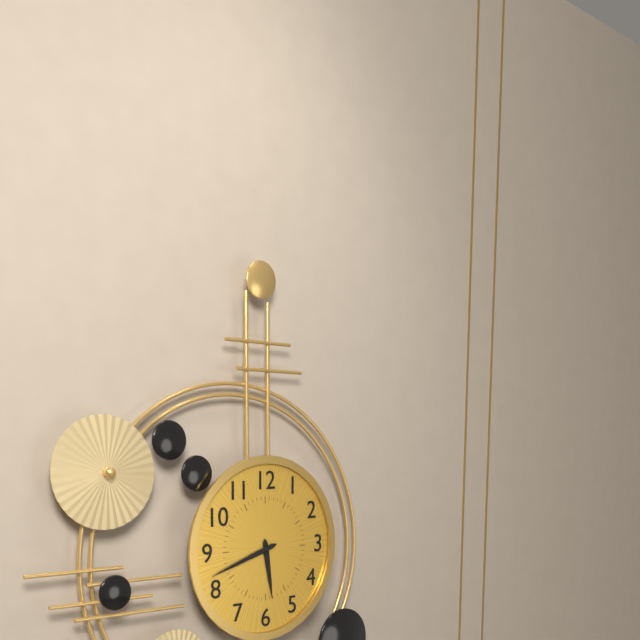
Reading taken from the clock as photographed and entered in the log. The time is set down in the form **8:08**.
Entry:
**5:42**
